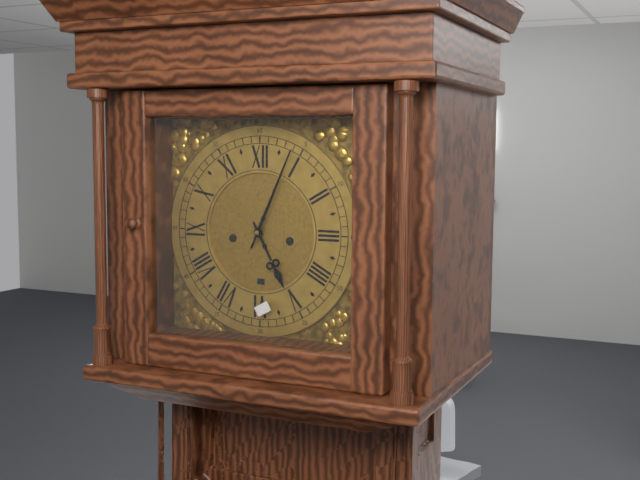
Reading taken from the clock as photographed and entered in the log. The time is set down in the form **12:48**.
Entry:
**5:04**
